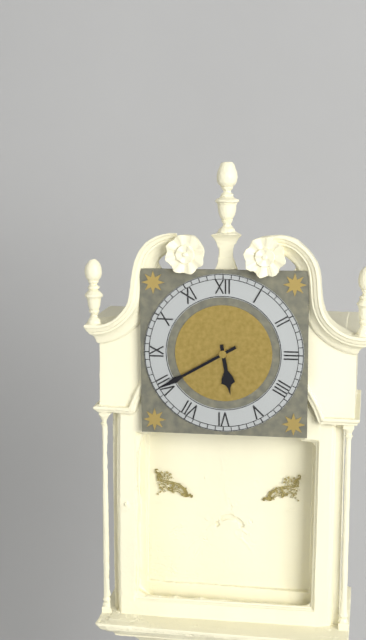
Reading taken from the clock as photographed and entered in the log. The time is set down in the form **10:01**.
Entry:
**5:40**
